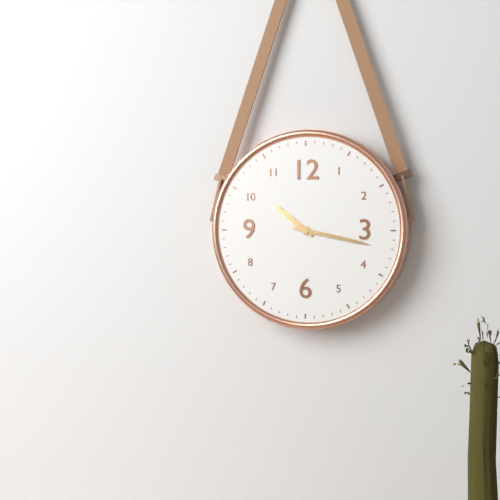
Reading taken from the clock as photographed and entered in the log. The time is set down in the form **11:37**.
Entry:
**10:17**
